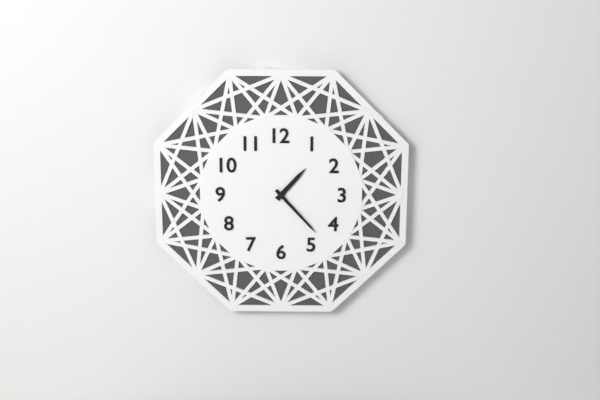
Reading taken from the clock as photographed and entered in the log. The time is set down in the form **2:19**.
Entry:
**1:23**
